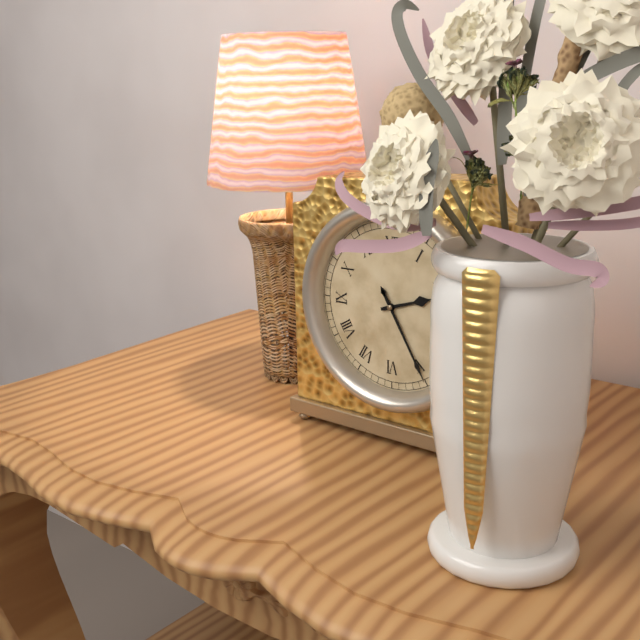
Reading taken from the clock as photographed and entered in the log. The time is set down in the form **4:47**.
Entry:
**2:25**
